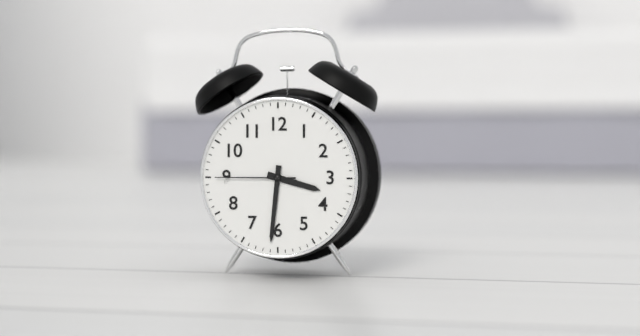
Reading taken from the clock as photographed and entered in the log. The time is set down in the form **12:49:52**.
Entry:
**3:31:45**
